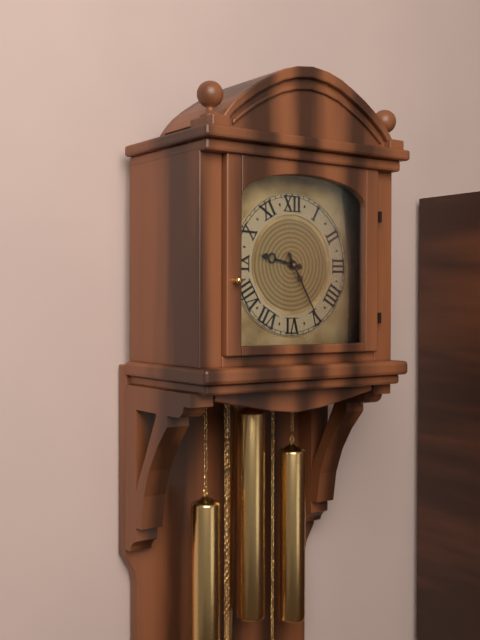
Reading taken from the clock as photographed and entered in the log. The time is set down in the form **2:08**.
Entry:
**9:25**
